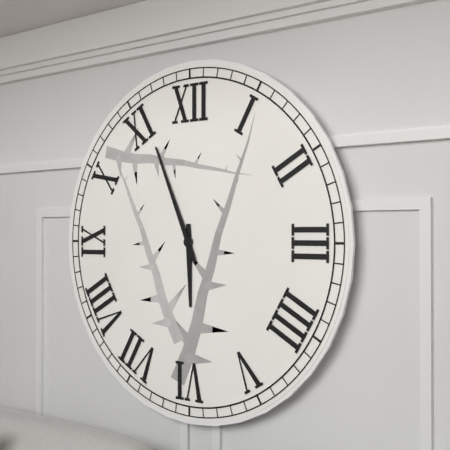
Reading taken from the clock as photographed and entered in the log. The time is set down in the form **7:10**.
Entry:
**5:56**
